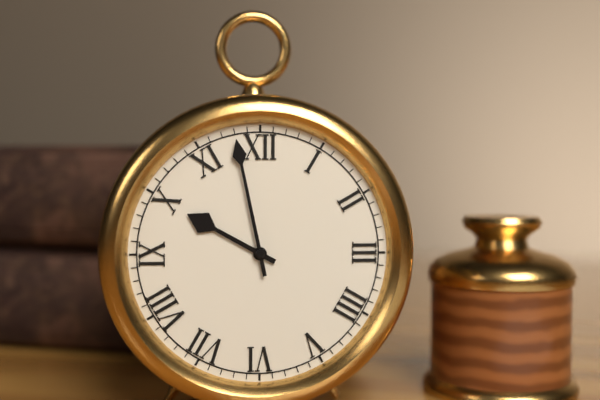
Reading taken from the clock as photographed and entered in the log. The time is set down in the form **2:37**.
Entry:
**9:58**
